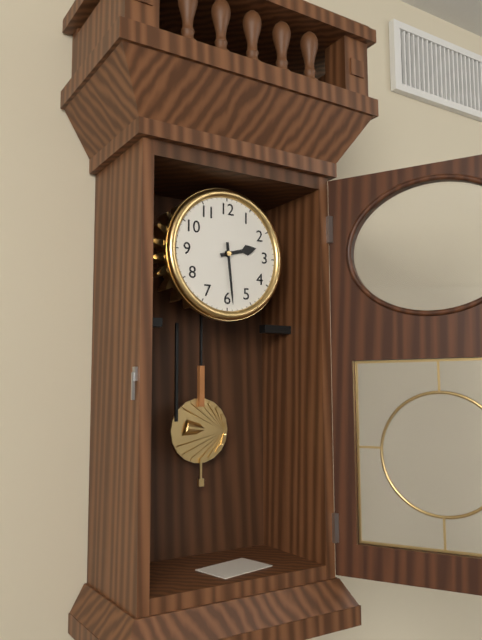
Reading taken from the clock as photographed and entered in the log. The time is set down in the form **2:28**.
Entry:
**2:29**
